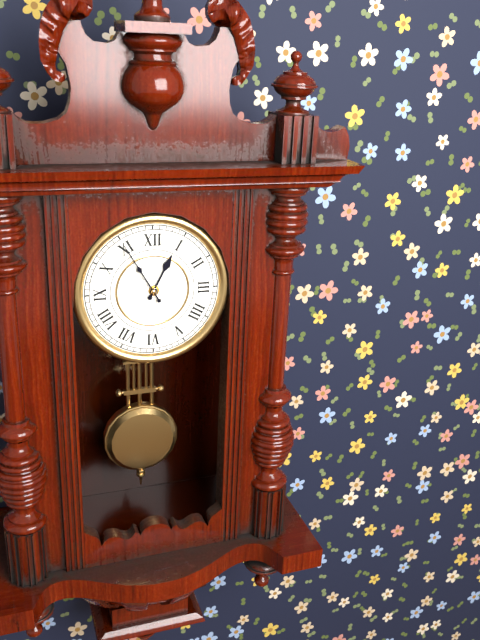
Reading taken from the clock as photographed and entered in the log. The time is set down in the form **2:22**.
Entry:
**12:55**
